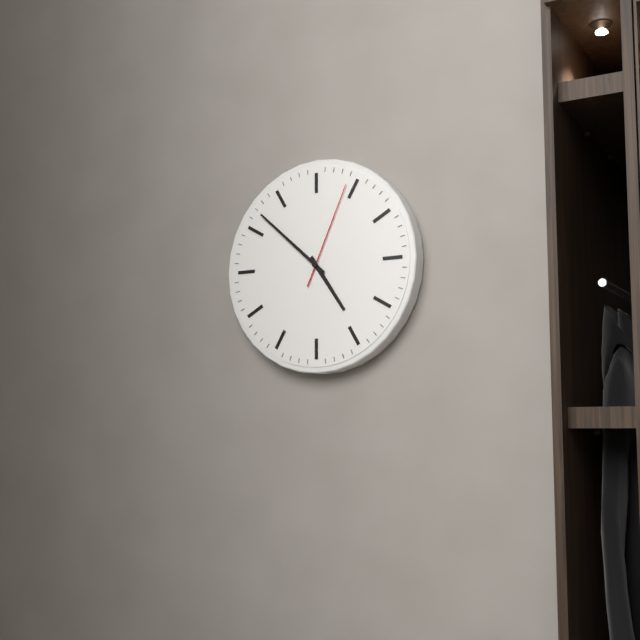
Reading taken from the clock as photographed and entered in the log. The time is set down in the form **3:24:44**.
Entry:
**4:52:04**
